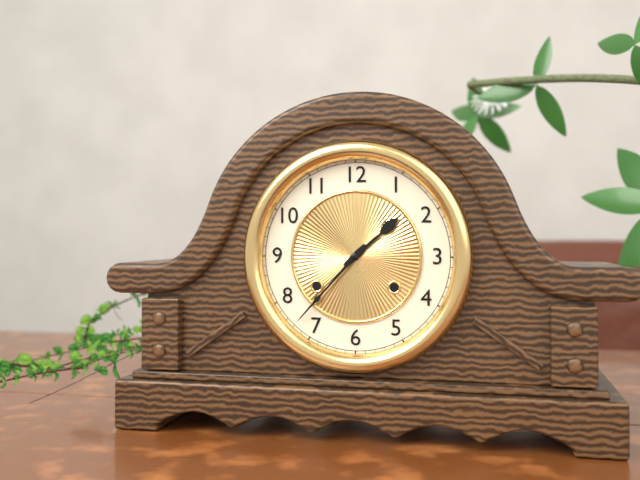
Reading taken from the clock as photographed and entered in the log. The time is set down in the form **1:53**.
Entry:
**1:37**
